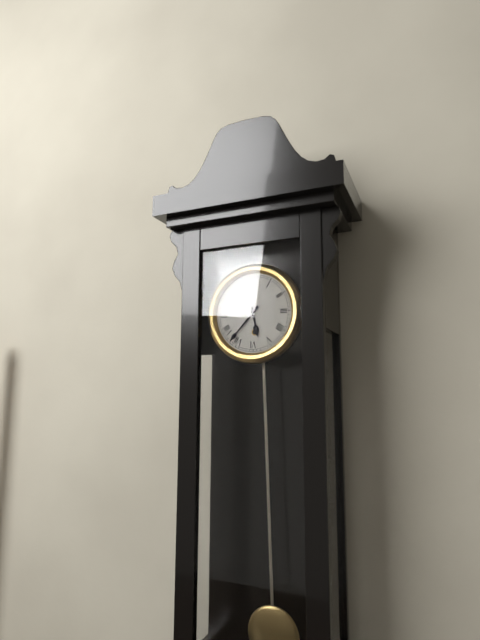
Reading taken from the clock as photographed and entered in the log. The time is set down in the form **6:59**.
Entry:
**5:37**
